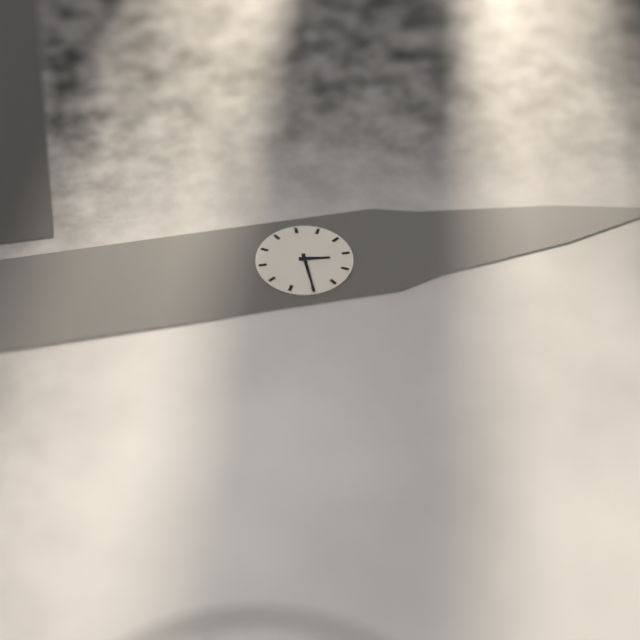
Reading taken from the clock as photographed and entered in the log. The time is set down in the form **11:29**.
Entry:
**12:15**
